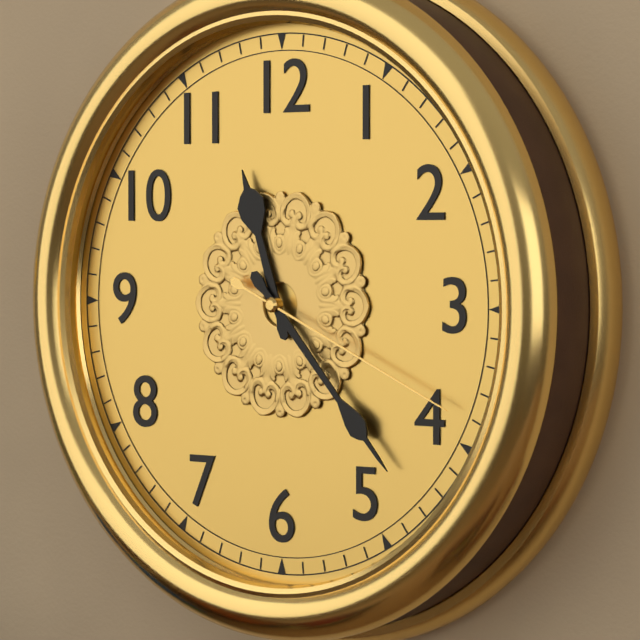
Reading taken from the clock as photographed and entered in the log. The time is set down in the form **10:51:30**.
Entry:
**11:23:19**
